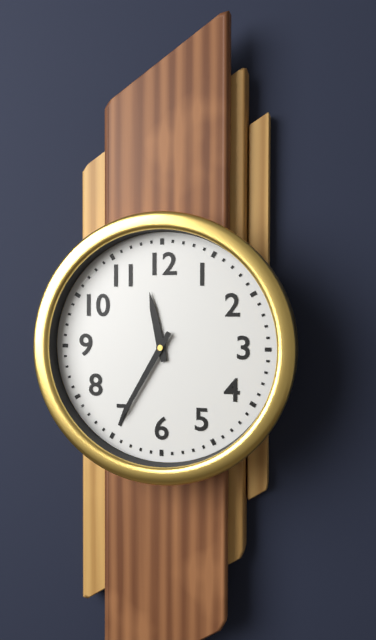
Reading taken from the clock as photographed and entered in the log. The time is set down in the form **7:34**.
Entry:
**11:35**
